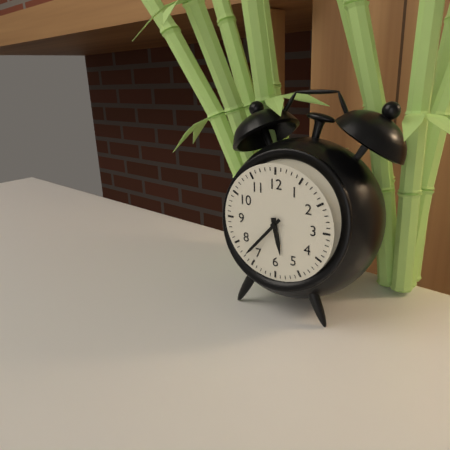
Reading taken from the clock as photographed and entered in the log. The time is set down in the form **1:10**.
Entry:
**5:37**
